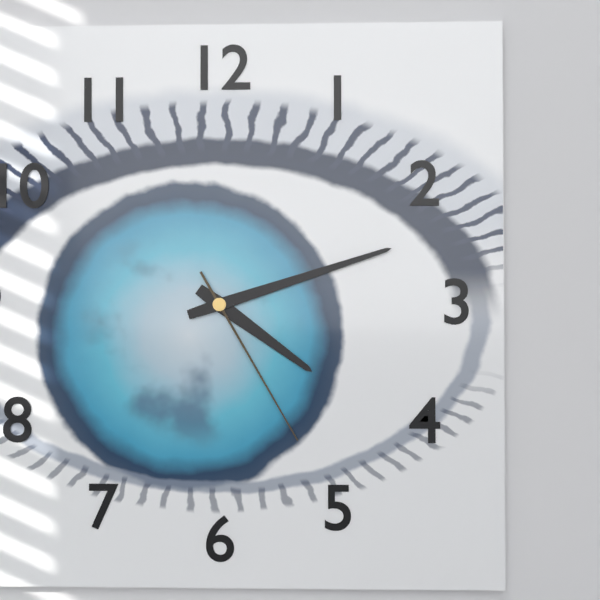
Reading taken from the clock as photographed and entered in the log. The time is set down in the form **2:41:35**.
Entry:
**4:12:25**
